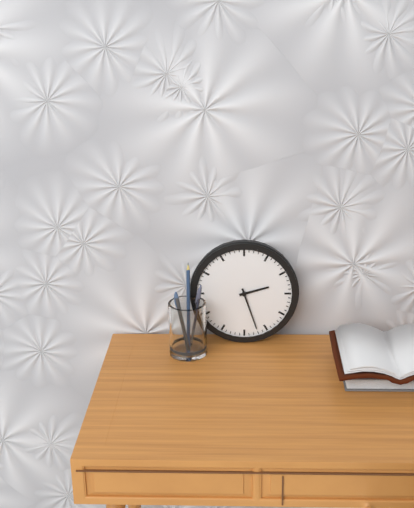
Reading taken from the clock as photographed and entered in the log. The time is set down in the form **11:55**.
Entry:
**2:27**
